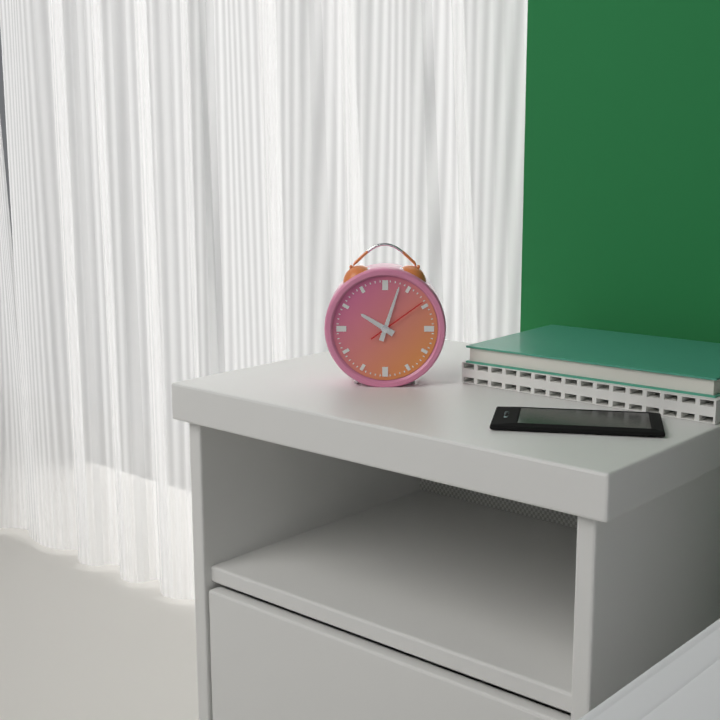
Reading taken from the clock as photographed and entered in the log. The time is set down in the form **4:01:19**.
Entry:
**10:03:09**
